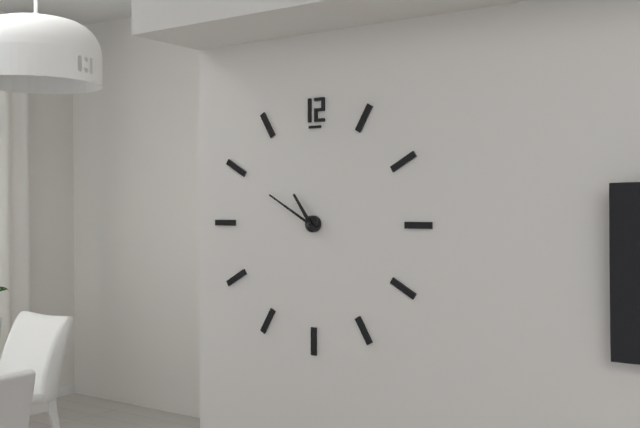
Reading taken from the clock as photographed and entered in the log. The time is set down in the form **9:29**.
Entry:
**10:50**
